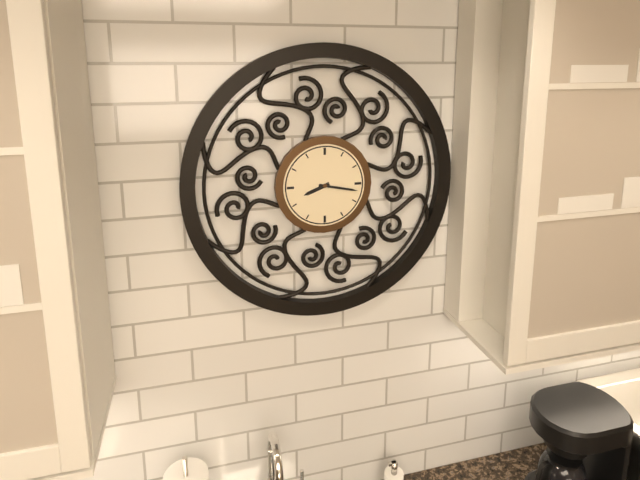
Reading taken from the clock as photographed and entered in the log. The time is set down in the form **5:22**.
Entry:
**8:17**
